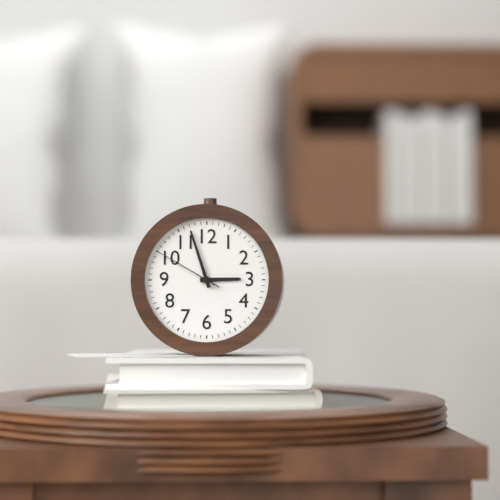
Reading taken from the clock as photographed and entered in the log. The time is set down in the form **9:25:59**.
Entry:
**2:57:50**
